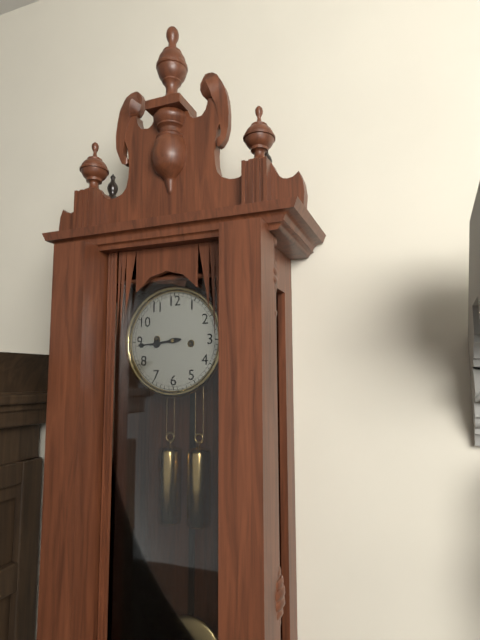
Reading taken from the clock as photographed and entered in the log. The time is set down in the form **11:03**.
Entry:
**8:44**
